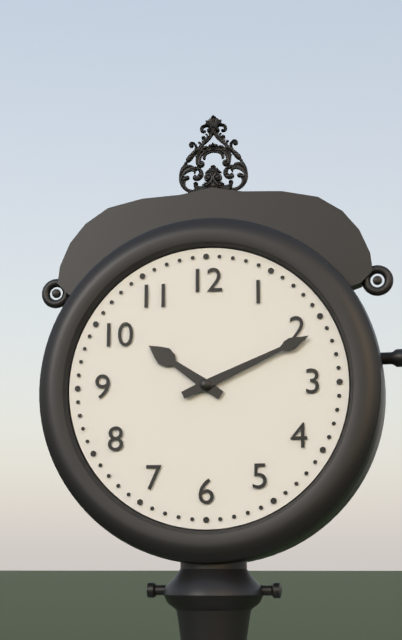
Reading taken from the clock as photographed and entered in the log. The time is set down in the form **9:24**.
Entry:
**10:11**
